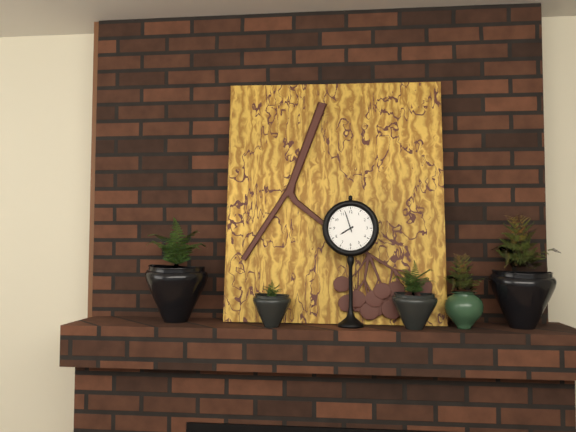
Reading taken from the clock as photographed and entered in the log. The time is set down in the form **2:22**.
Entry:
**7:57**
